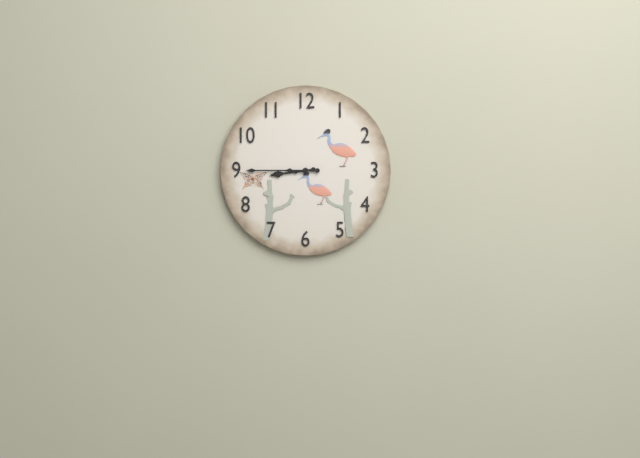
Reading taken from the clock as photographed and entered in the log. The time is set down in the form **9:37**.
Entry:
**8:45**
